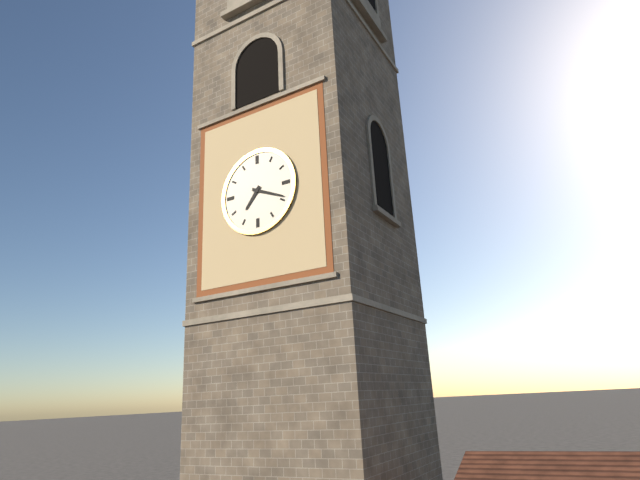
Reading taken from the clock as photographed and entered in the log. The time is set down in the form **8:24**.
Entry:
**7:19**
